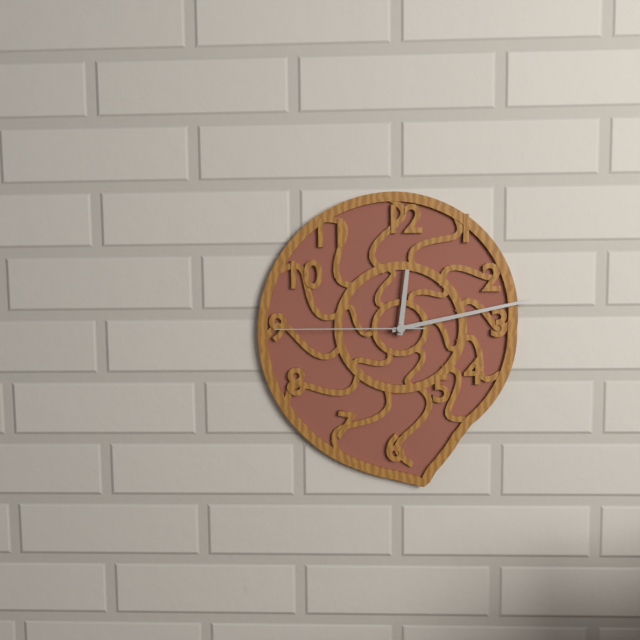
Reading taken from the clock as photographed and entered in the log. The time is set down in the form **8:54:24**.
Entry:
**12:13:45**
